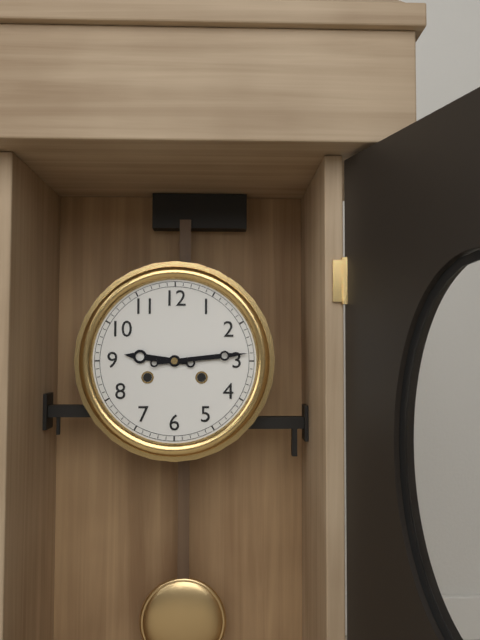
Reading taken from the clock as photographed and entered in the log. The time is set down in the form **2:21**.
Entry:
**9:14**
